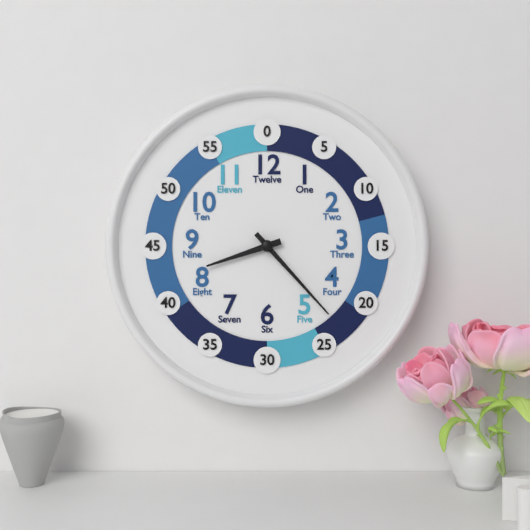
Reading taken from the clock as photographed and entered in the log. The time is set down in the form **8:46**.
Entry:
**8:23**
